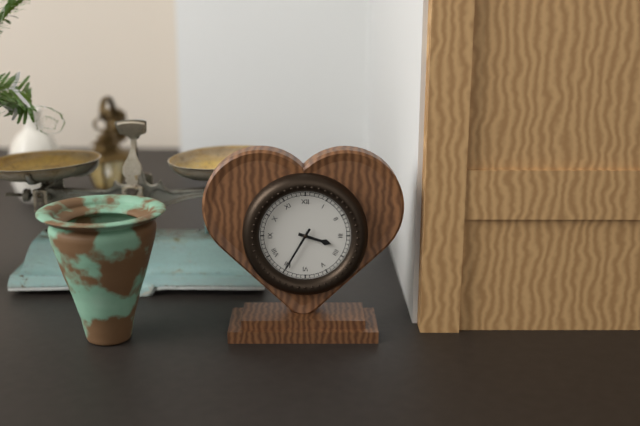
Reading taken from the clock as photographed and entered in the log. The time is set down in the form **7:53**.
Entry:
**3:35**
